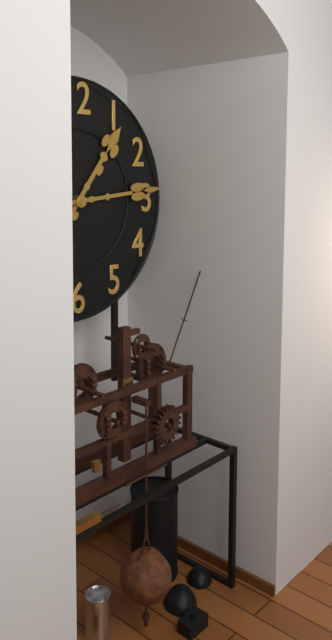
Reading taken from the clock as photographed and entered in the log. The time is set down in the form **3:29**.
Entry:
**1:14**
